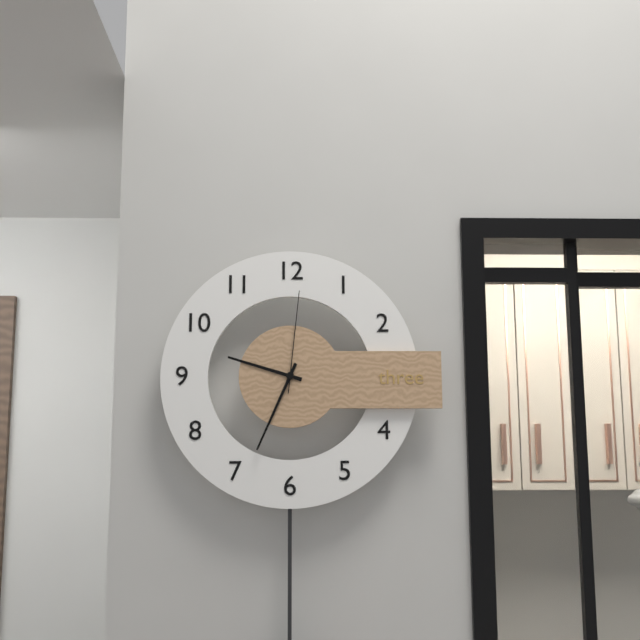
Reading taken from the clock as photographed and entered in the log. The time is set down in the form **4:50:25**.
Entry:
**9:34:01**
